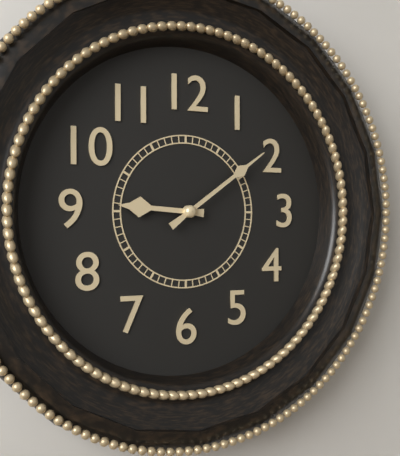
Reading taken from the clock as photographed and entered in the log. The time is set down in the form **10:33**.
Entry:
**9:09**
